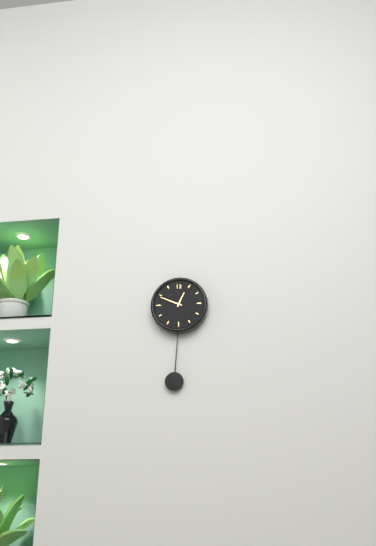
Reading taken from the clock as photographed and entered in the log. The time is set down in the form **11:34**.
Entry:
**12:49**
